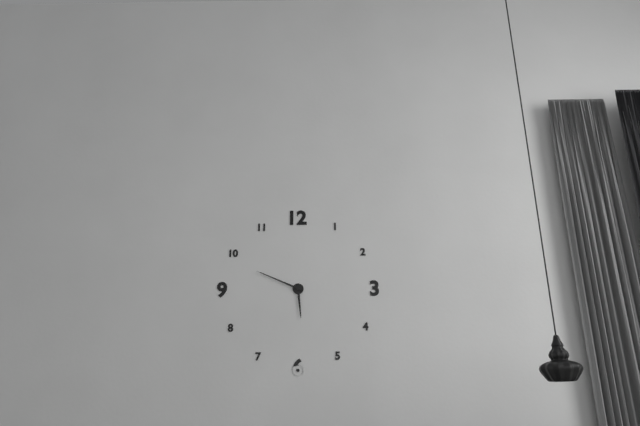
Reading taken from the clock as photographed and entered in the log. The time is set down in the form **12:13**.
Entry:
**5:49**
